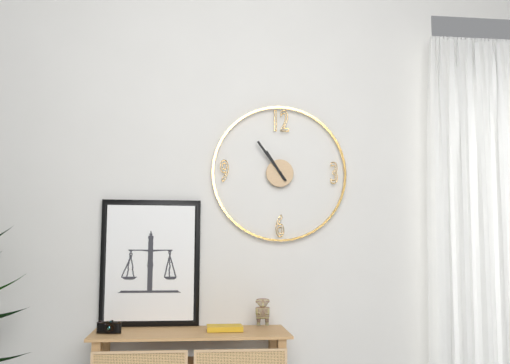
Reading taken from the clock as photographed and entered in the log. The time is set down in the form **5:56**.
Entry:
**10:54**
